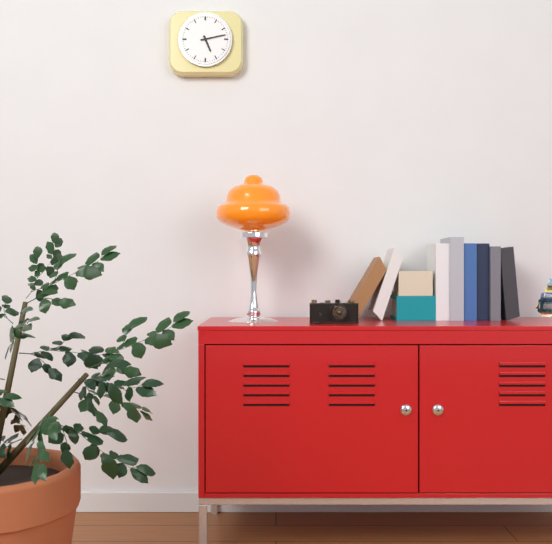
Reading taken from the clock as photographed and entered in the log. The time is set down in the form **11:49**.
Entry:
**5:13**
